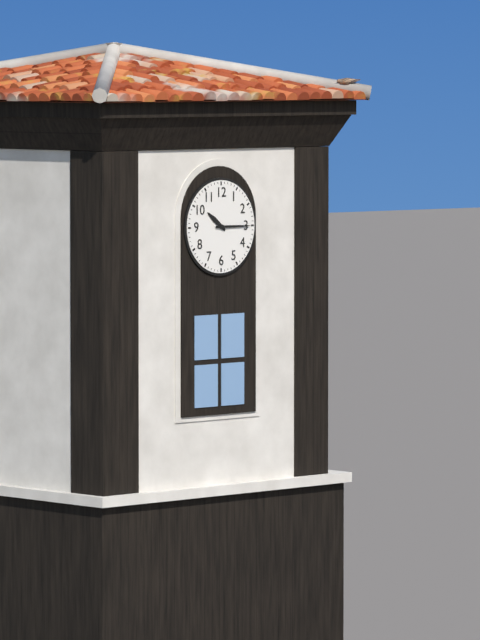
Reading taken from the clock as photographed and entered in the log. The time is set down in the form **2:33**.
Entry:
**10:15**
